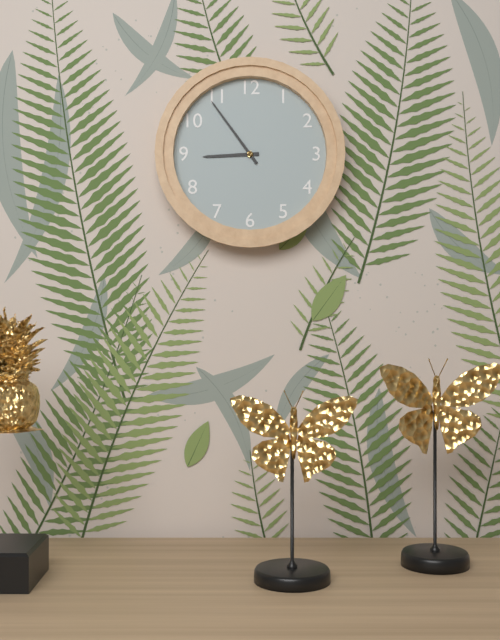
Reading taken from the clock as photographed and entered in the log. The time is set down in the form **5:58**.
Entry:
**8:54**
